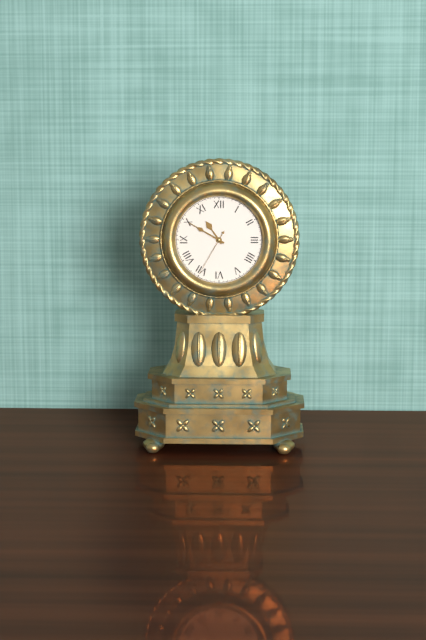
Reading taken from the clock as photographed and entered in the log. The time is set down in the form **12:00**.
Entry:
**10:50**
